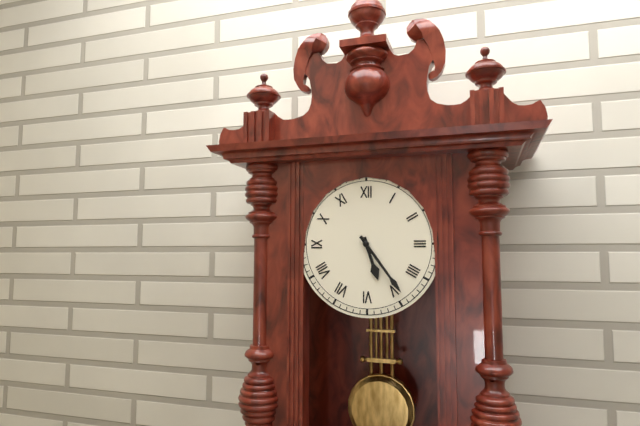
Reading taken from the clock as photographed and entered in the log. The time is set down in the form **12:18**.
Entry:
**5:24**
